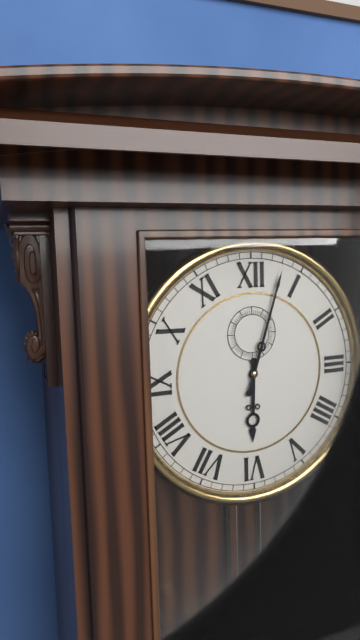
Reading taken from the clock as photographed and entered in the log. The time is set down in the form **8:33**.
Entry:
**6:03**
